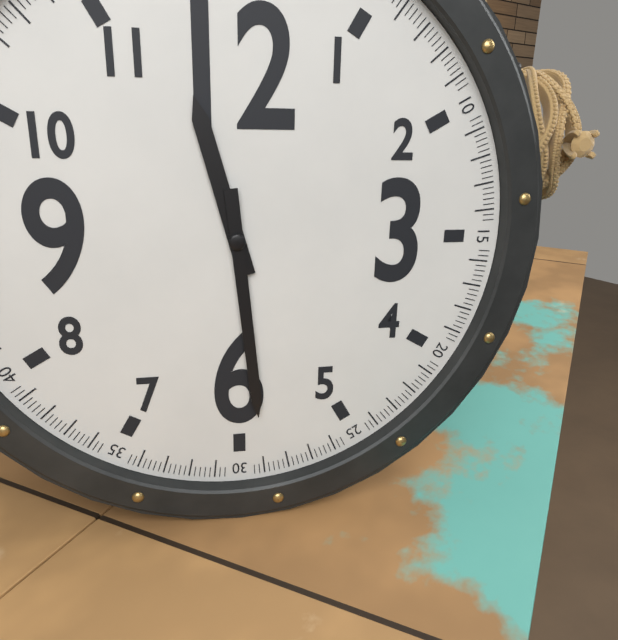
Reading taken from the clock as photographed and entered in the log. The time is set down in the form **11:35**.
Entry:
**11:29**
